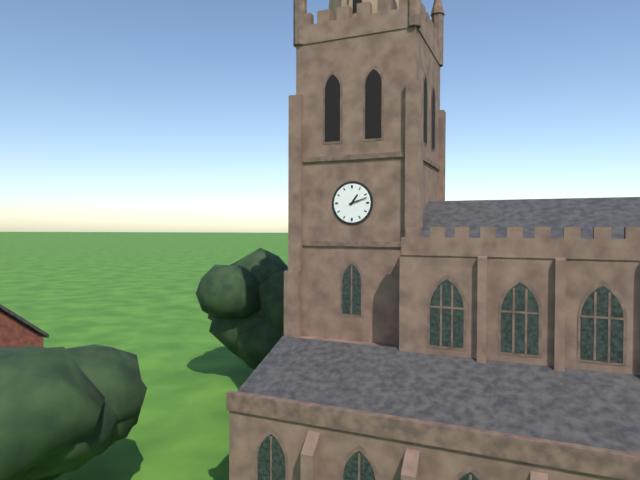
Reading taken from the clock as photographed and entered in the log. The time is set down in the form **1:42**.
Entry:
**1:12**
